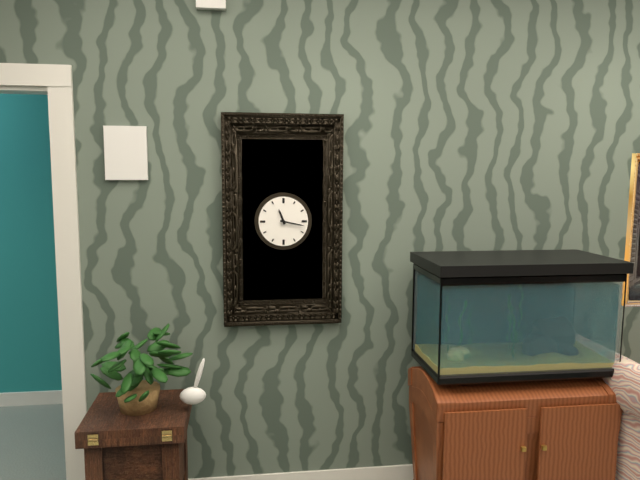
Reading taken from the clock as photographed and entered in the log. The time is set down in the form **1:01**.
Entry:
**11:17**
